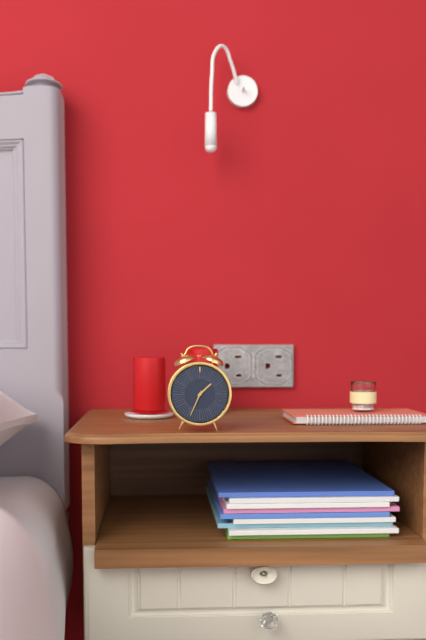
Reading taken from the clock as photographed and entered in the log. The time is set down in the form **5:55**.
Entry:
**1:34**
